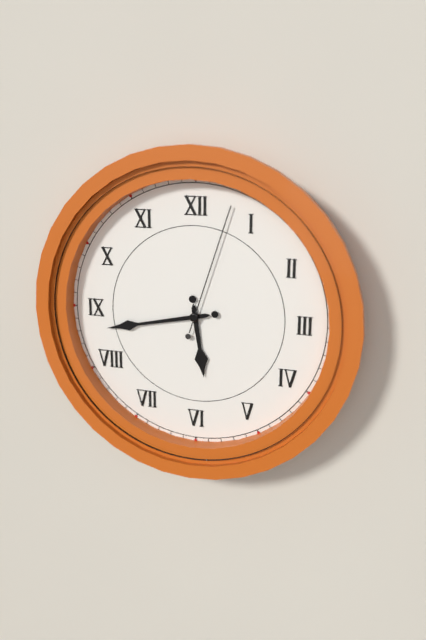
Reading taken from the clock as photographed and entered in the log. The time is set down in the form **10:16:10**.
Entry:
**5:43:03**
